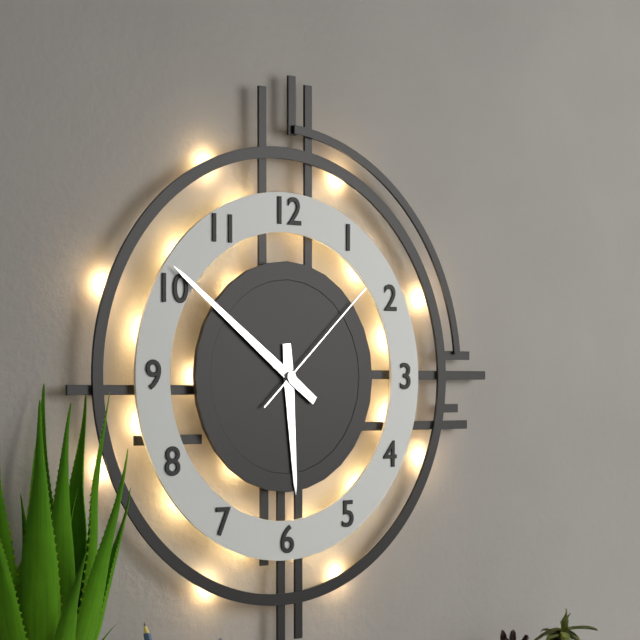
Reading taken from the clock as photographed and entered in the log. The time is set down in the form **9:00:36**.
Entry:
**5:51:08**
